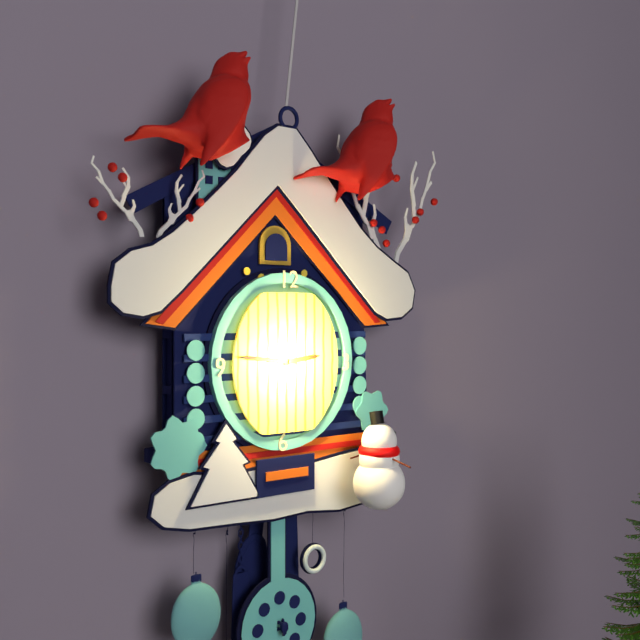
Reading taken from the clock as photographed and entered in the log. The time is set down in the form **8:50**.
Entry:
**2:46**
